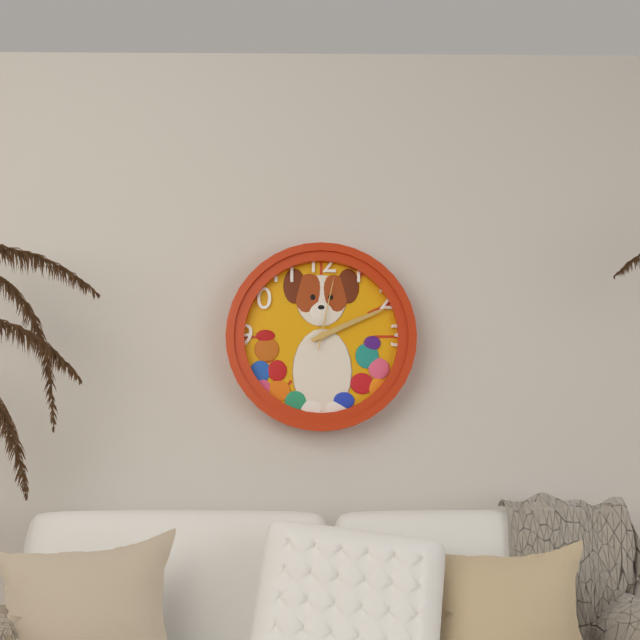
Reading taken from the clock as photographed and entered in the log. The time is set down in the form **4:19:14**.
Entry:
**2:11:02**
